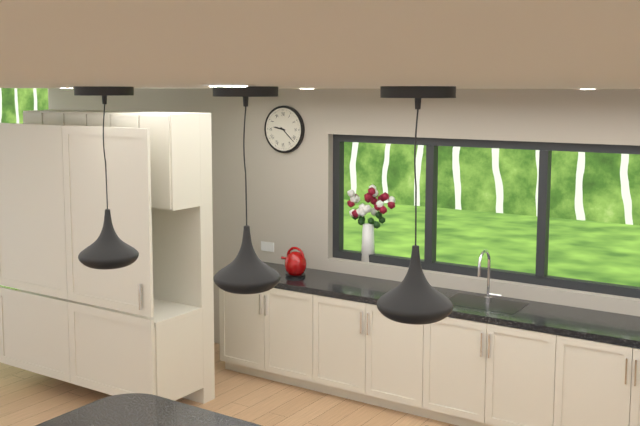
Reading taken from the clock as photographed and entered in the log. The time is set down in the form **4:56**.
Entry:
**9:22**
